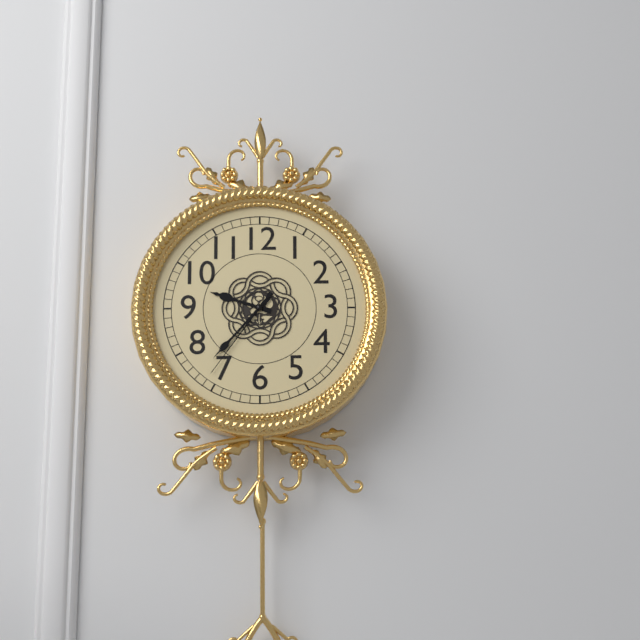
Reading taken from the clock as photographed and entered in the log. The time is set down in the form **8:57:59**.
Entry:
**9:37:36**
